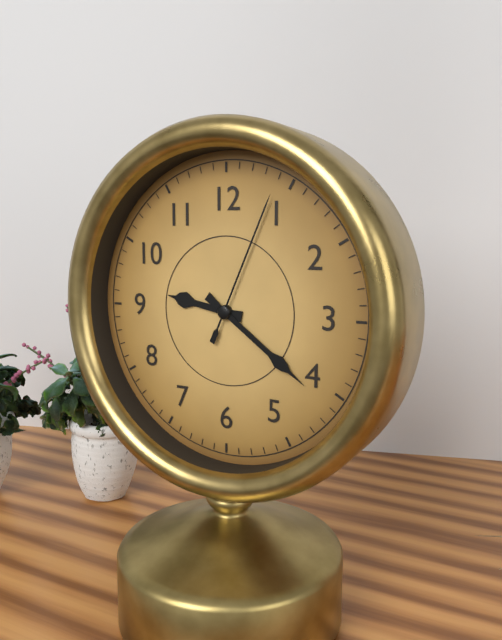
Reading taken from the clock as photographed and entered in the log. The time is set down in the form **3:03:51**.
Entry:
**9:21:04**
